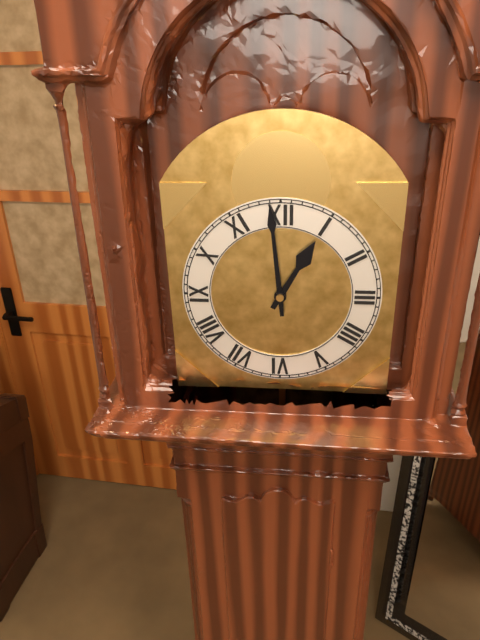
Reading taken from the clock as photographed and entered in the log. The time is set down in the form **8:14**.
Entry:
**12:59**
